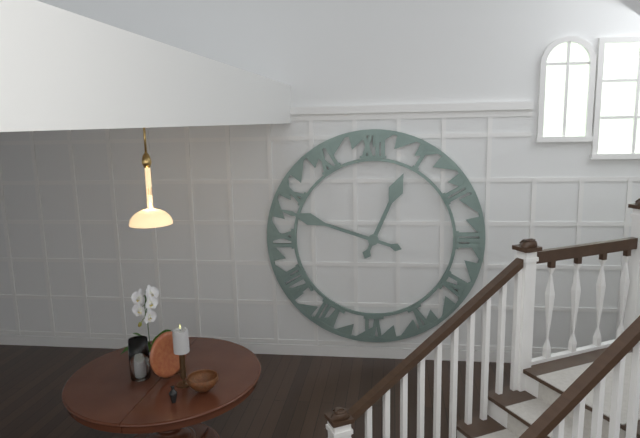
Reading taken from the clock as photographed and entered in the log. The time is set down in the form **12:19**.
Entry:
**12:48**
